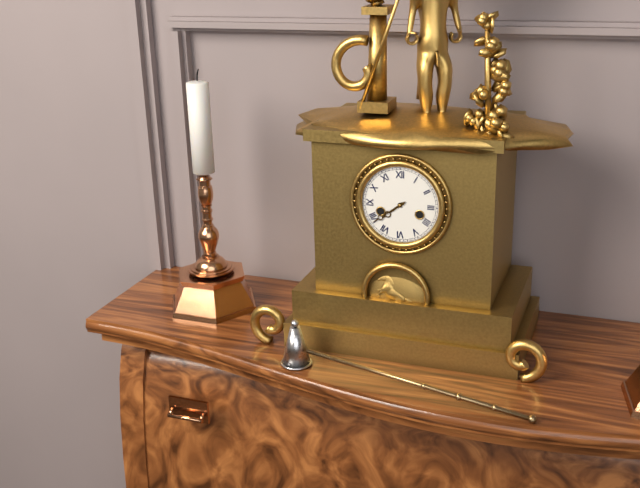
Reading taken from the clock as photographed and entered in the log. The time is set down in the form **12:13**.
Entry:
**7:39**
